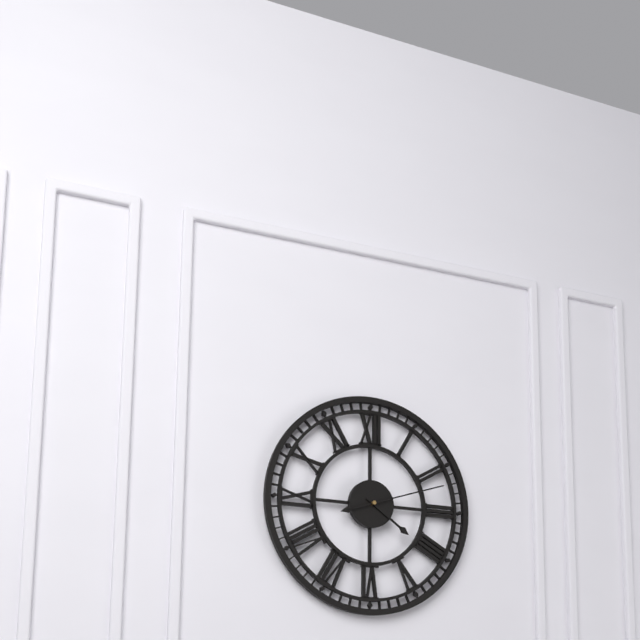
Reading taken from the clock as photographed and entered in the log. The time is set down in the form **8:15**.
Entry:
**4:12**
